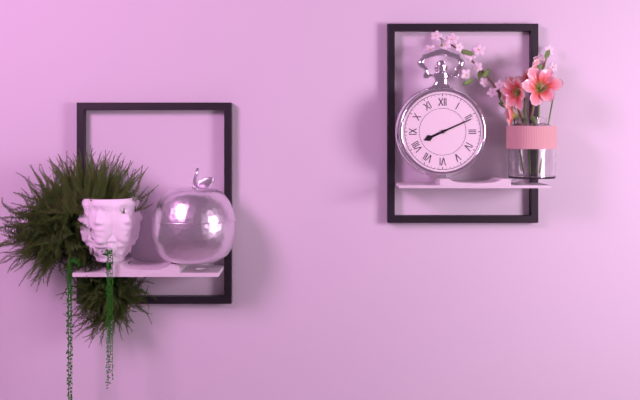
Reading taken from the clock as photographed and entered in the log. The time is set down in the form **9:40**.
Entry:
**8:11**
